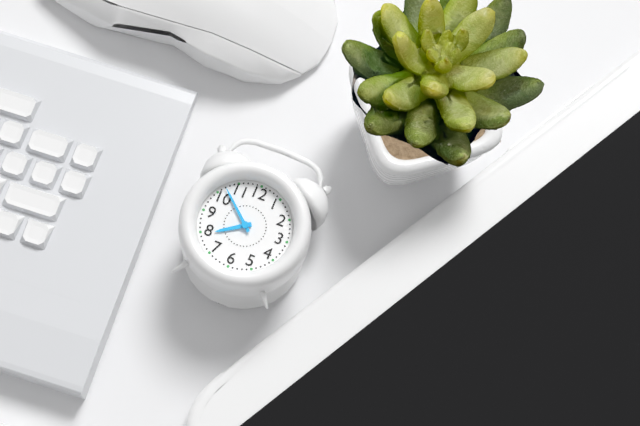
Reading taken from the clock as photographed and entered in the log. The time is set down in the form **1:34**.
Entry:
**7:52**
